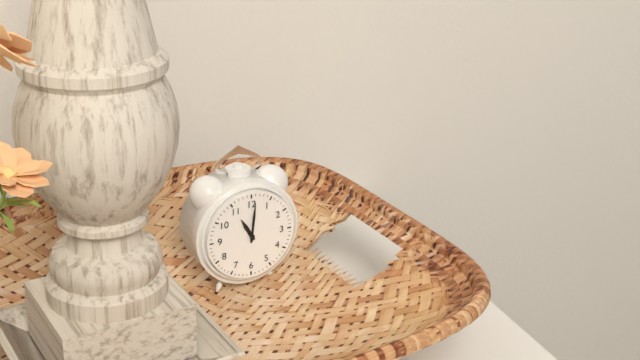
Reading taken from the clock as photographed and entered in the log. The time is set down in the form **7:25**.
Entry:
**11:01**
